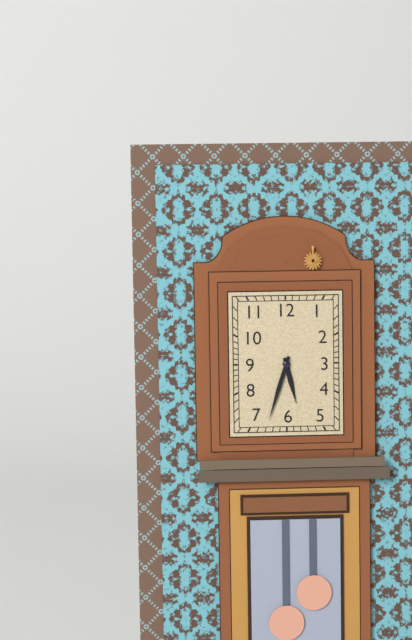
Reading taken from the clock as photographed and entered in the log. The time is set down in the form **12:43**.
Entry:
**5:33**
